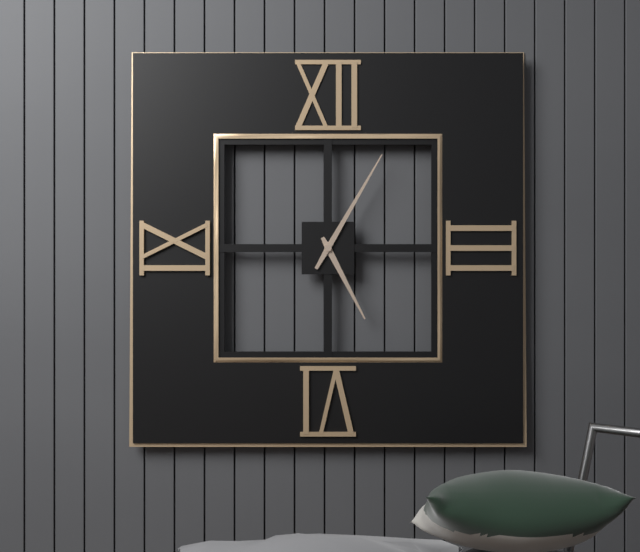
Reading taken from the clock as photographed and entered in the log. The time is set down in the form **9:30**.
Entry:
**5:05**
